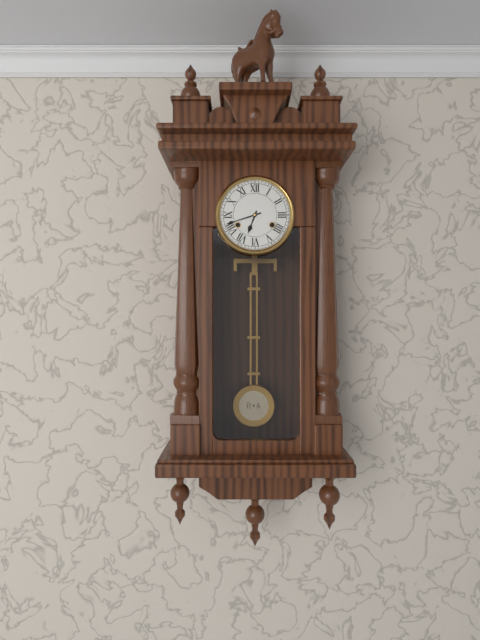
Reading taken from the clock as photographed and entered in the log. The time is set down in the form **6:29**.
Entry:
**6:42**
